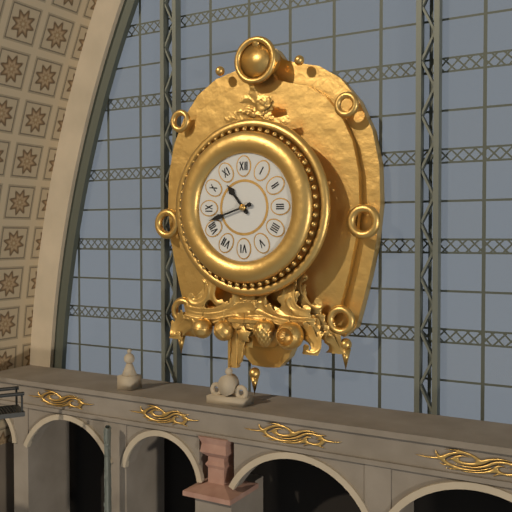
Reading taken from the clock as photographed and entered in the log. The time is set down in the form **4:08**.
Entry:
**10:42**
